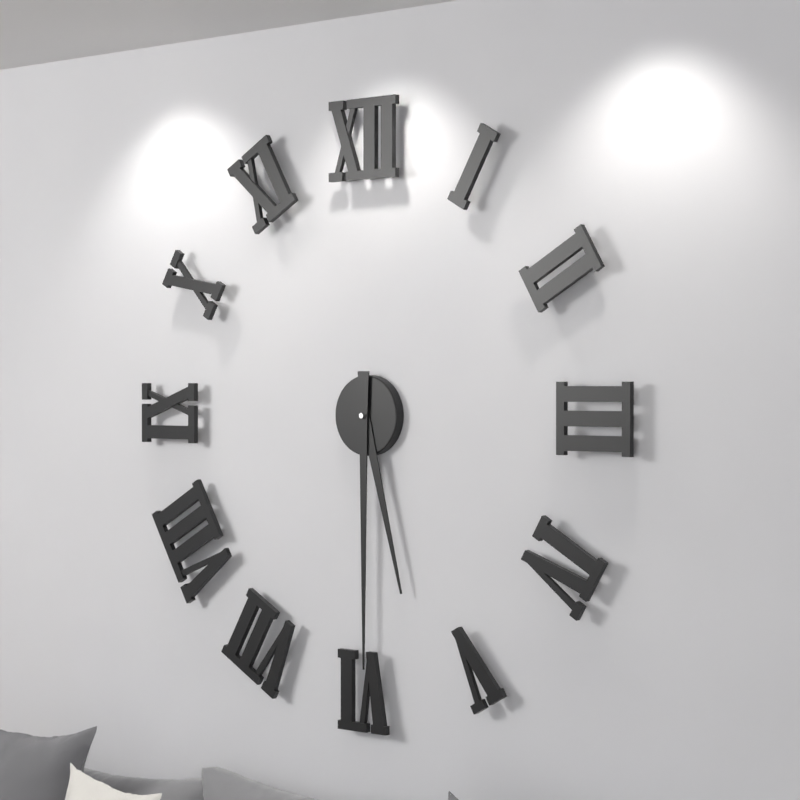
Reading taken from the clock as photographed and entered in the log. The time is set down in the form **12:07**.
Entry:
**5:30**
